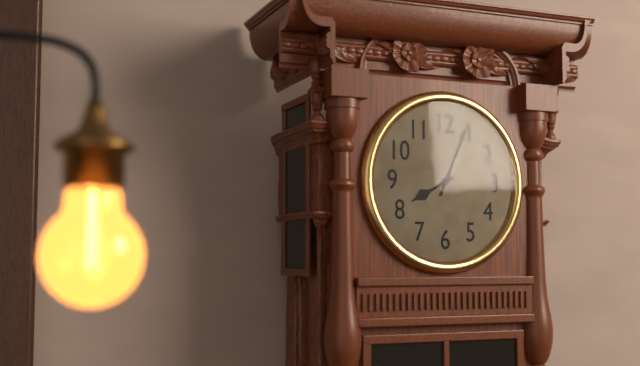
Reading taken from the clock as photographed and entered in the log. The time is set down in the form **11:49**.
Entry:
**8:04**
